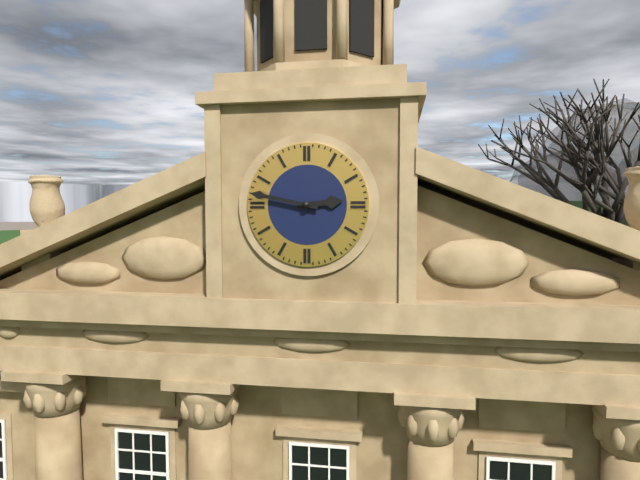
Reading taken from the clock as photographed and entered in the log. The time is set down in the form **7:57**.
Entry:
**2:47**
